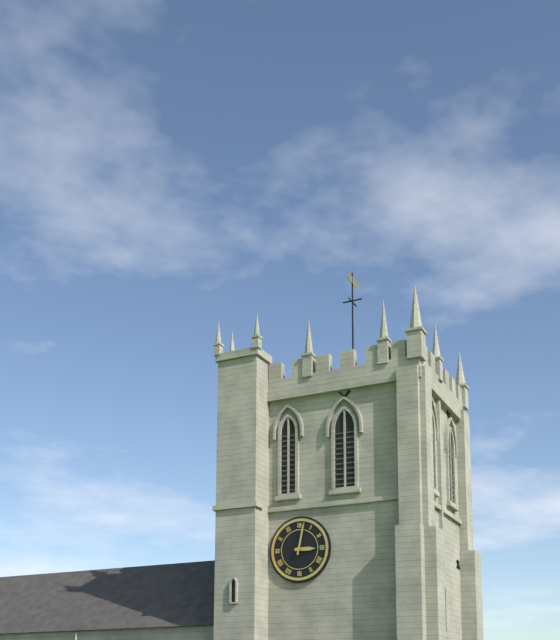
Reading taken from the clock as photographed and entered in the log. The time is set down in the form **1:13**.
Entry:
**3:02**
